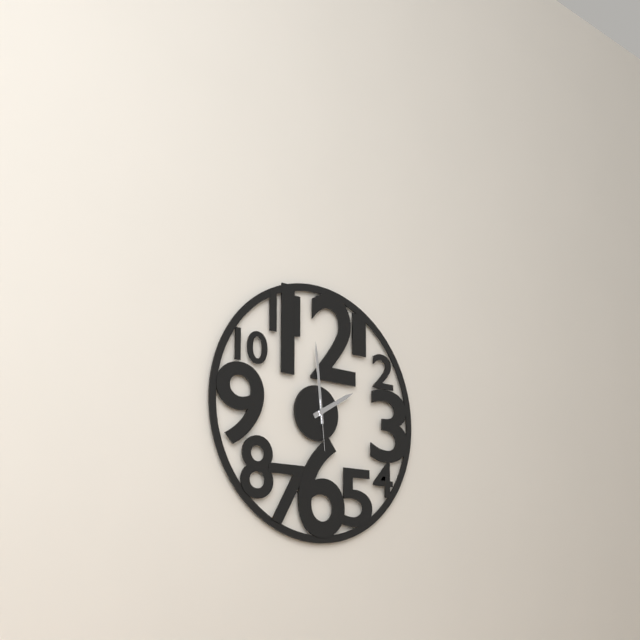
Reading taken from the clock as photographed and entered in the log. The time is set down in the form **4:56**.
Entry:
**1:59**
